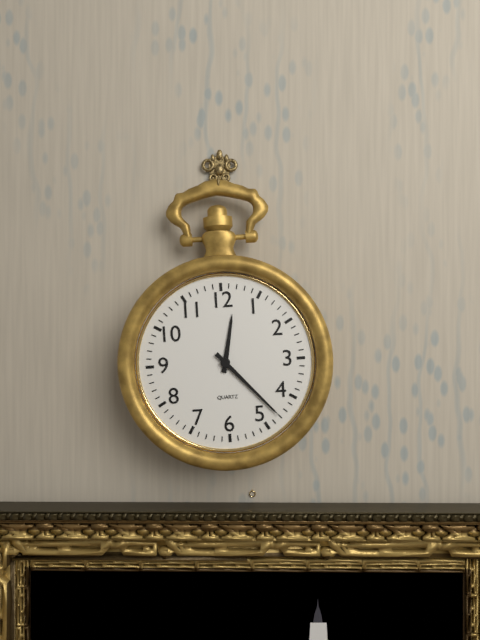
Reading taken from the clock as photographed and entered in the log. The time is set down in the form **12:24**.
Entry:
**12:23**
